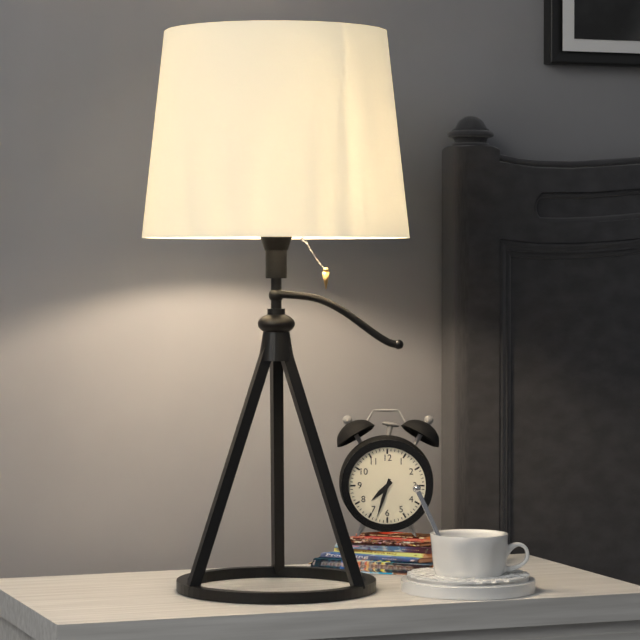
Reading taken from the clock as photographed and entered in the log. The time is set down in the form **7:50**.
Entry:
**7:33**
